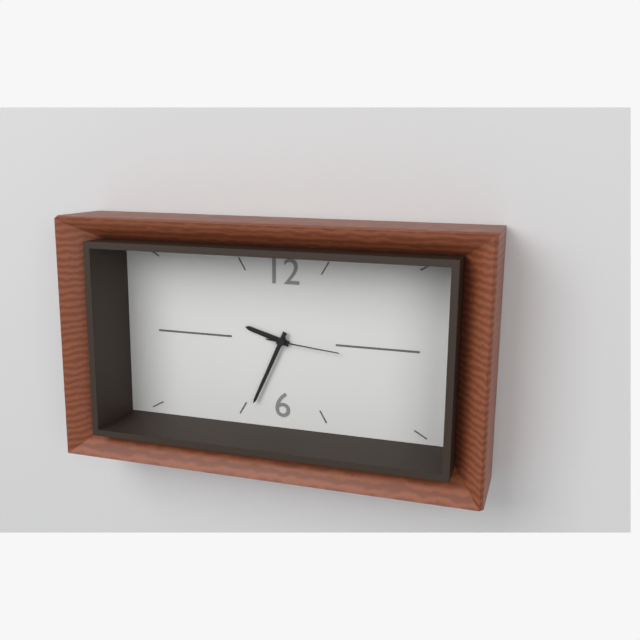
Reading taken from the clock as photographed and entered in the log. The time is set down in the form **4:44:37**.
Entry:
**9:34:16**
